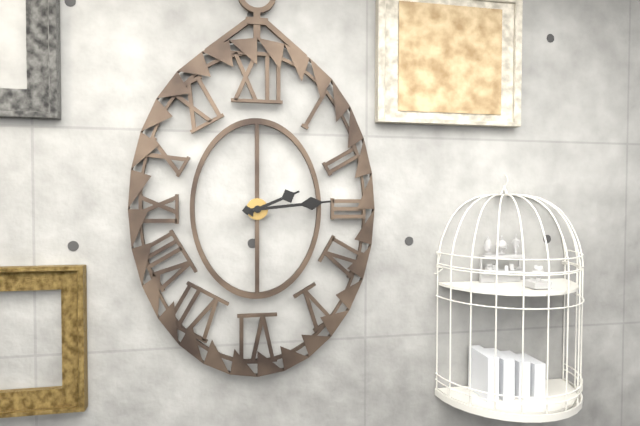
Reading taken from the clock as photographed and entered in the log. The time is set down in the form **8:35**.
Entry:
**2:14**
